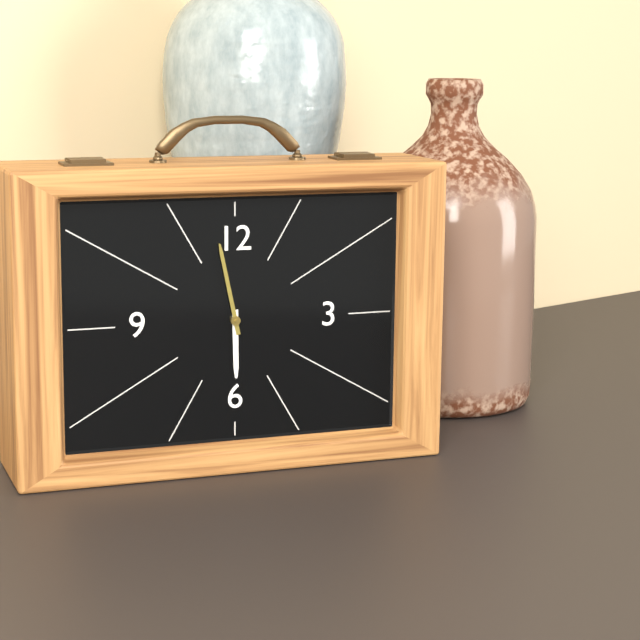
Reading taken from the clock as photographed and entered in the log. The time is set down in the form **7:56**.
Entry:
**5:58**
